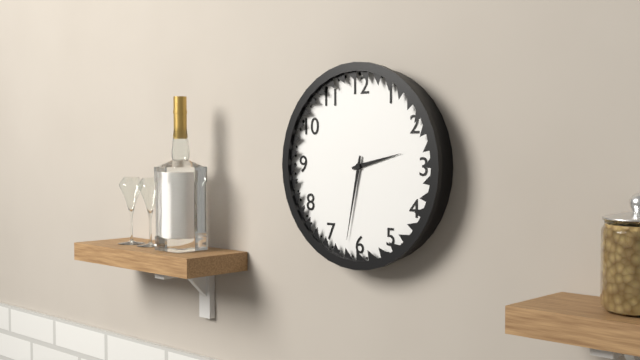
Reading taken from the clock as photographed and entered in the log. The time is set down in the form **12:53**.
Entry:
**2:32**
